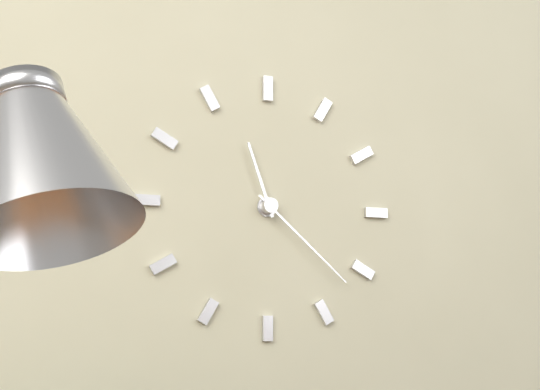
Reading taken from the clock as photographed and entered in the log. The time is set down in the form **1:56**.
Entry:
**11:22**
